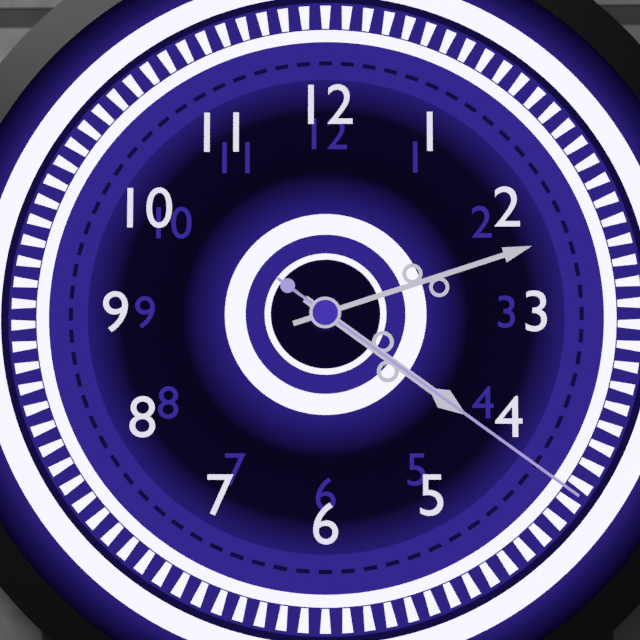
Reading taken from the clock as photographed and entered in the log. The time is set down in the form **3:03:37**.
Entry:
**4:12:21**
